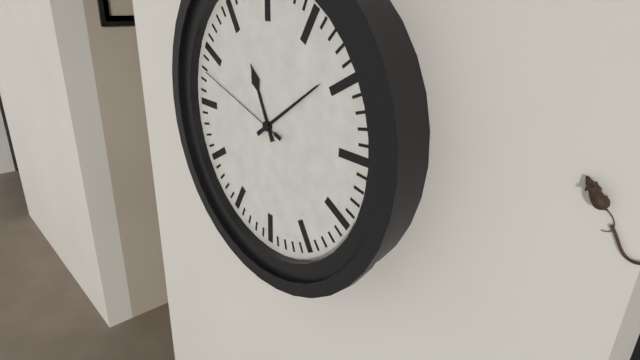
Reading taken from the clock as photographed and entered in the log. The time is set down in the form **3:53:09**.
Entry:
**11:09:48**
